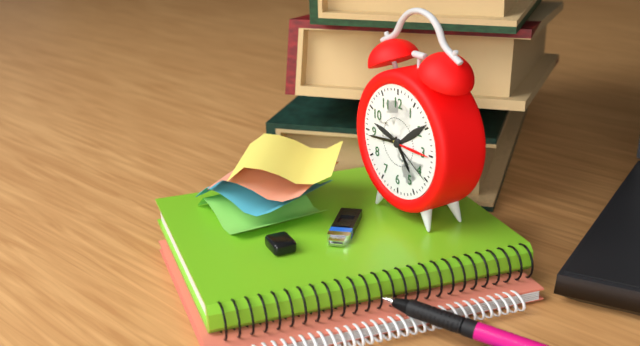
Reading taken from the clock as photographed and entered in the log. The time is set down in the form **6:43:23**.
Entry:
**4:44:20**
